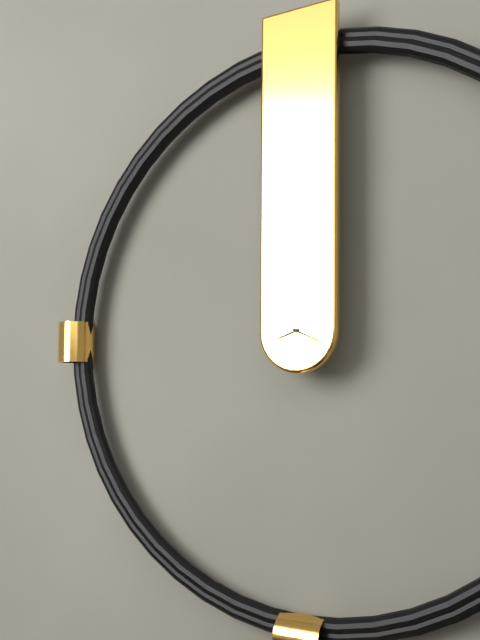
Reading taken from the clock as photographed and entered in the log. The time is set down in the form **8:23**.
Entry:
**8:19**
